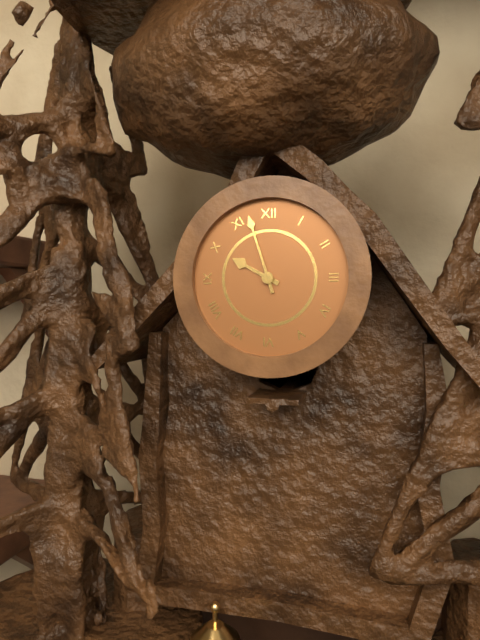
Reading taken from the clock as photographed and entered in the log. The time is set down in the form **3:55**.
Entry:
**9:57**
